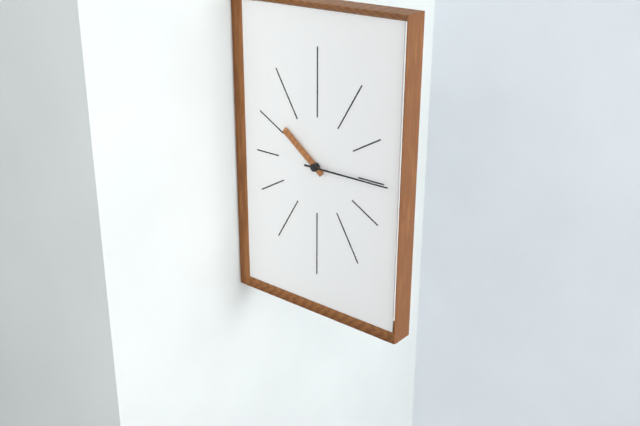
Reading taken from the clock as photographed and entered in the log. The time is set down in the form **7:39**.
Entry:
**10:15**
